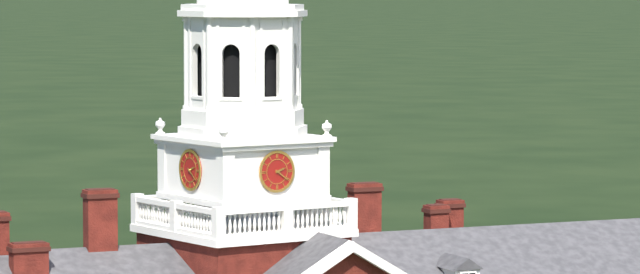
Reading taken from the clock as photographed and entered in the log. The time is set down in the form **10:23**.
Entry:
**2:21**
